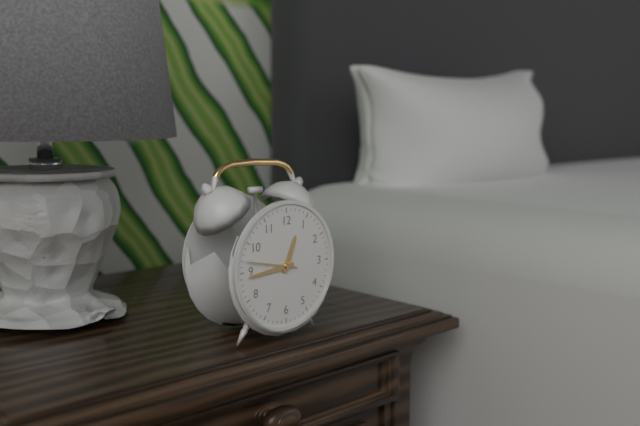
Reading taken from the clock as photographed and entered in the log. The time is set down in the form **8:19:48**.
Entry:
**12:44:47**
